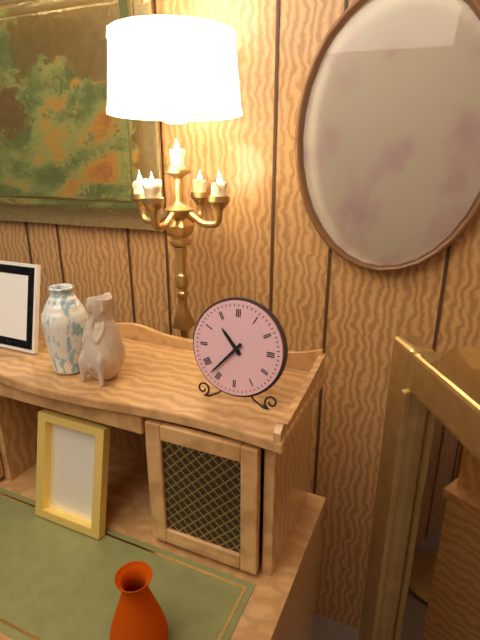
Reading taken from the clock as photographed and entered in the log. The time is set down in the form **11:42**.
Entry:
**10:37**
